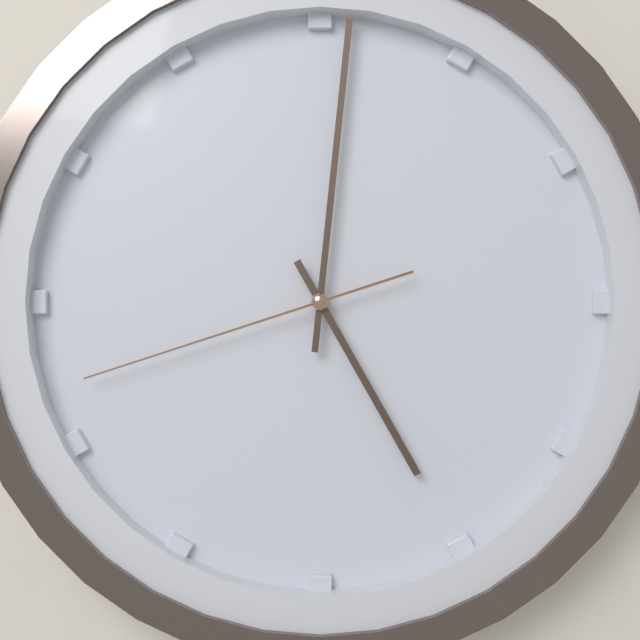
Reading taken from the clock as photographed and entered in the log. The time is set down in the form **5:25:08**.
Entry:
**5:01:42**
